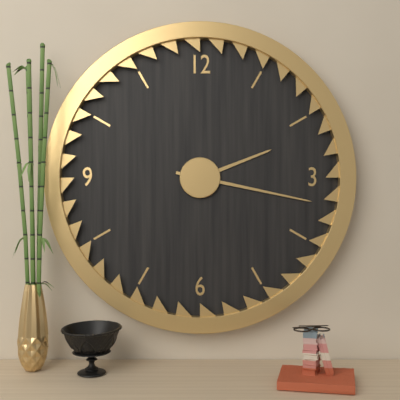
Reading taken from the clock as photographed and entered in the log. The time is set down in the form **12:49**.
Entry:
**2:17**
